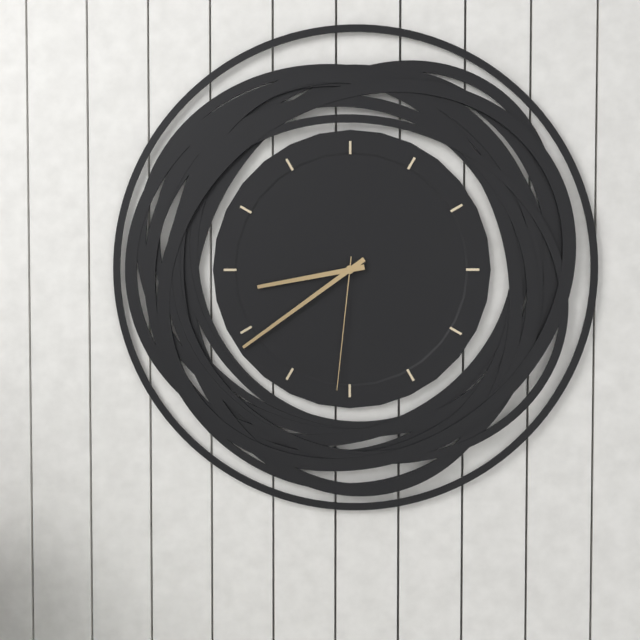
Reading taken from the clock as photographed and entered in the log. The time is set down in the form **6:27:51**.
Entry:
**8:39:31**
